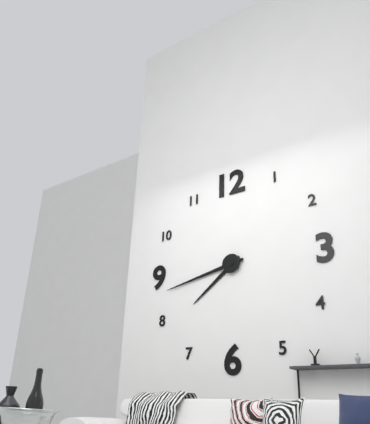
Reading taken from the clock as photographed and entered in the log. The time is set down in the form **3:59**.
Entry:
**7:43**
